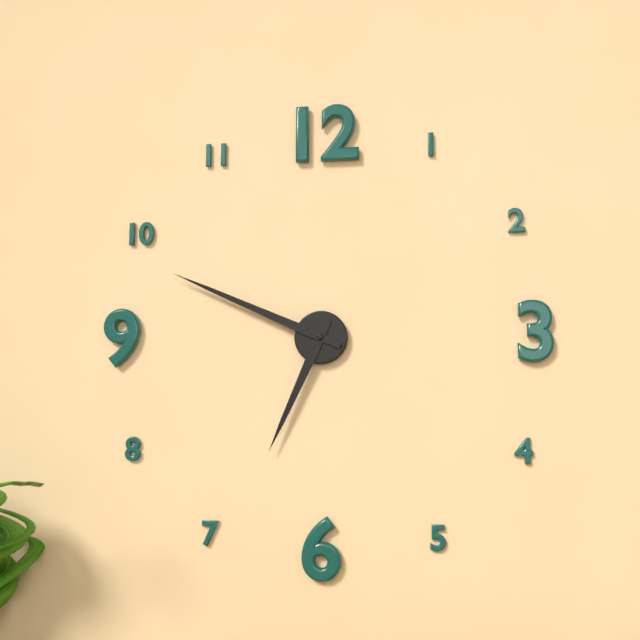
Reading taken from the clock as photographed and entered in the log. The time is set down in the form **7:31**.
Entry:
**6:49**
